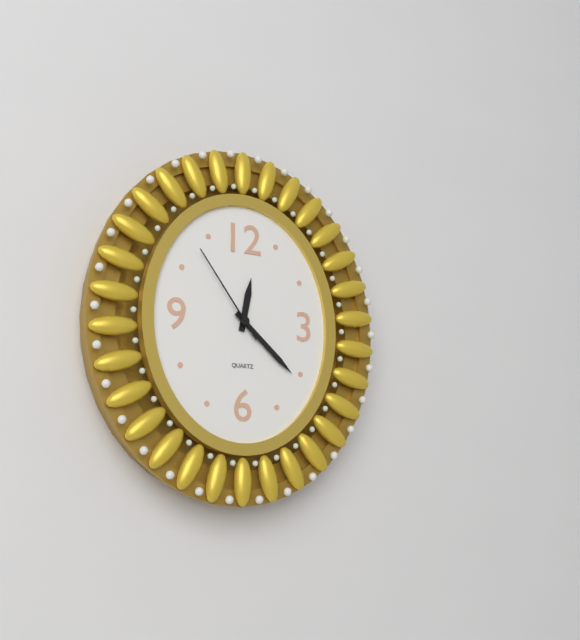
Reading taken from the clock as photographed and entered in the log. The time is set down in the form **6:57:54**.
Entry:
**12:22:54**
